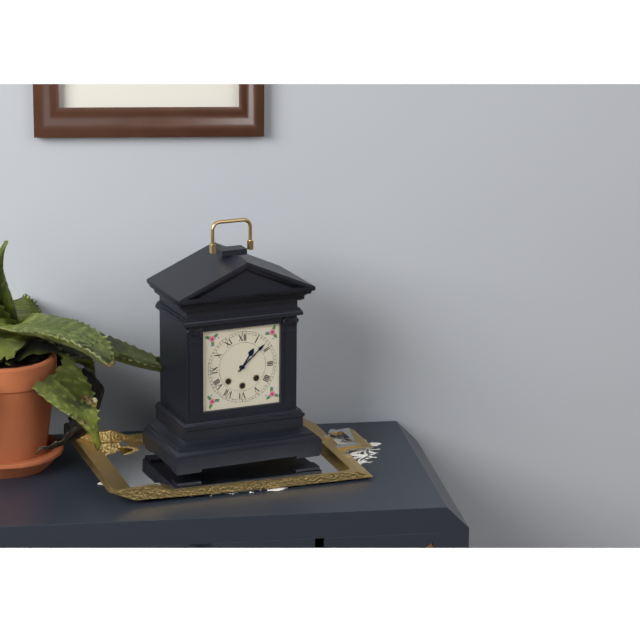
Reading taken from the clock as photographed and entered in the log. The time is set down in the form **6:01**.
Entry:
**1:08**
